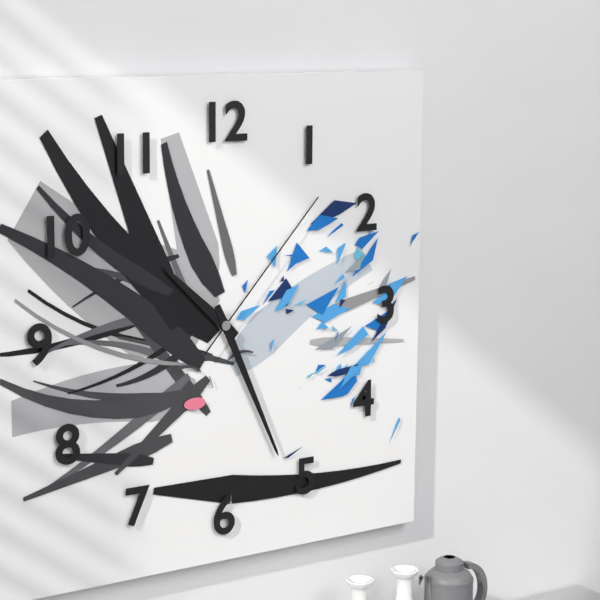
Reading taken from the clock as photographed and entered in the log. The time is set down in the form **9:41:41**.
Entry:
**10:26:07**
